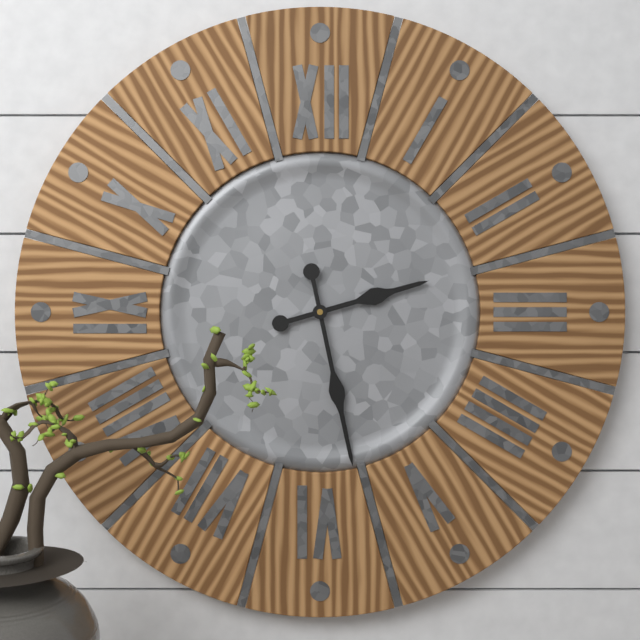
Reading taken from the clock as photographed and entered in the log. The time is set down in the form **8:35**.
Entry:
**2:28**
